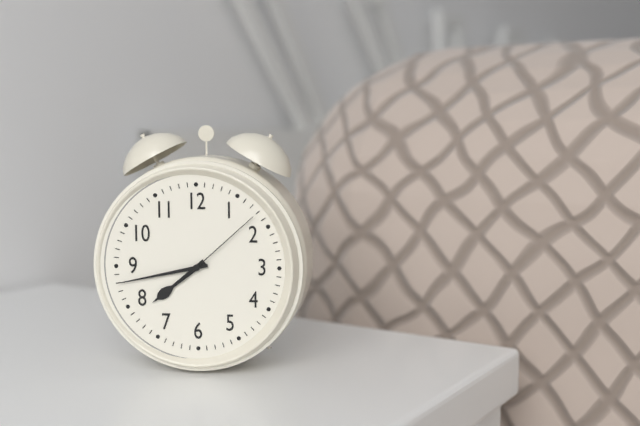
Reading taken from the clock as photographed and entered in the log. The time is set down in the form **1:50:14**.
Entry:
**7:43:08**
